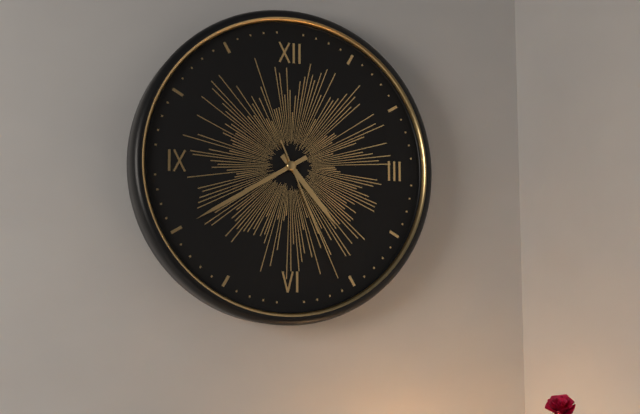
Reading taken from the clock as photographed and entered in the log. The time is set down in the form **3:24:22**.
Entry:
**4:40:26**
